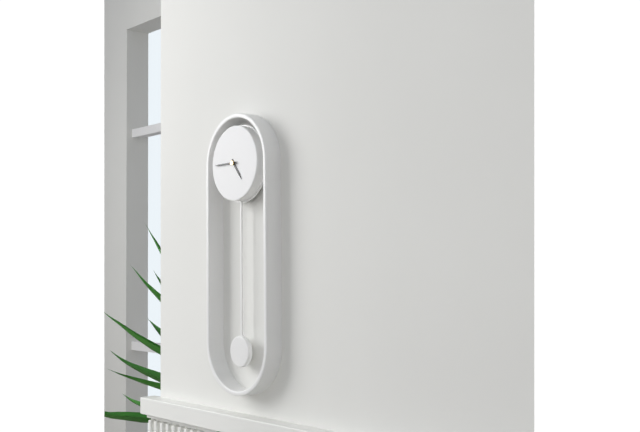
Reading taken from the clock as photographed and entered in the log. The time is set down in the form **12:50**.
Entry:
**4:45**
